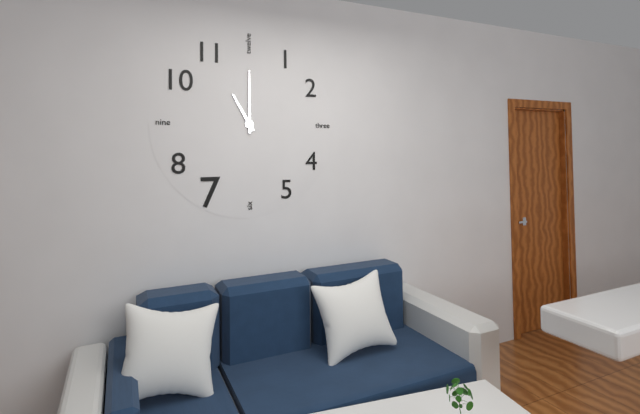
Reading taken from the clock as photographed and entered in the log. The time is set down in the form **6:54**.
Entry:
**11:00**
